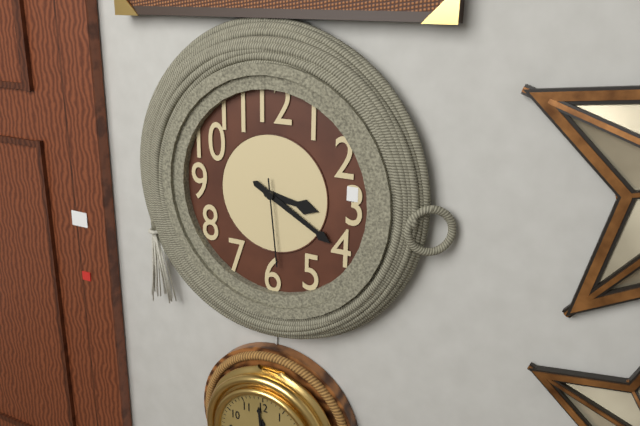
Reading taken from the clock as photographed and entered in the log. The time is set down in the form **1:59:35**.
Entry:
**3:20:29**
